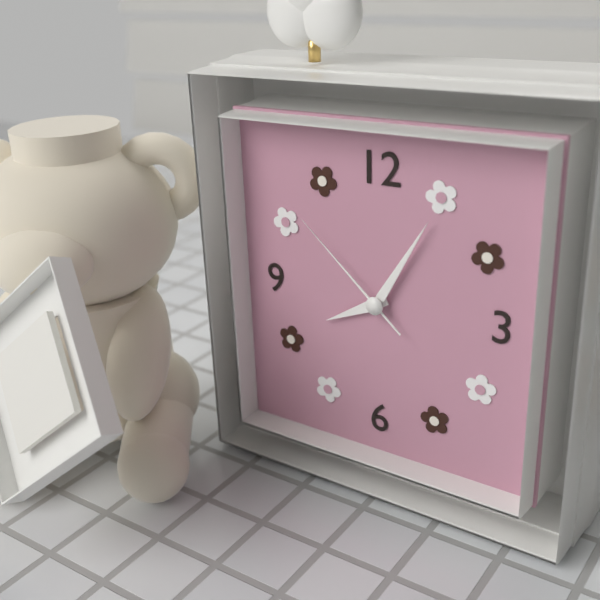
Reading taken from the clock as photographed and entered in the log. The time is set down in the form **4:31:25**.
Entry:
**8:05:52**
